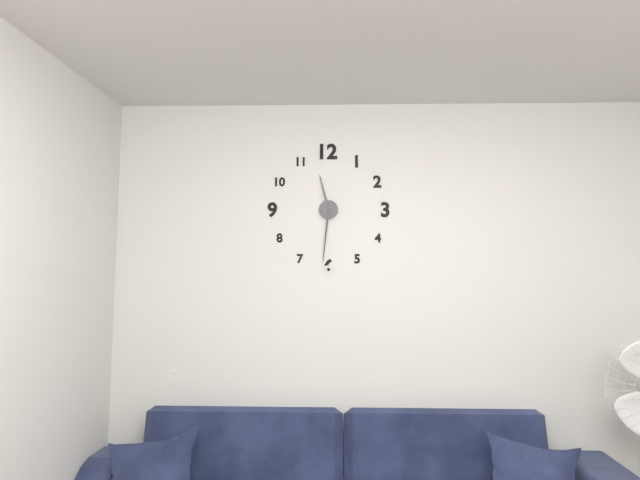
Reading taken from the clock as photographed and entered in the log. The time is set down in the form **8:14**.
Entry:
**11:31**
